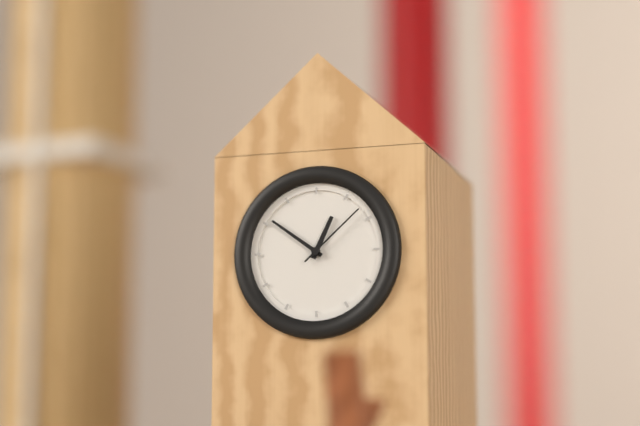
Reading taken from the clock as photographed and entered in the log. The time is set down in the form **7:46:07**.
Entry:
**12:51:08**
